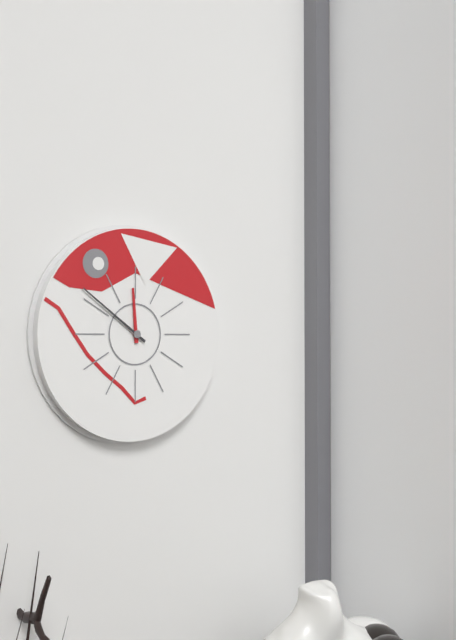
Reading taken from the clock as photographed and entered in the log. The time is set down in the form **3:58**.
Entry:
**11:51**
